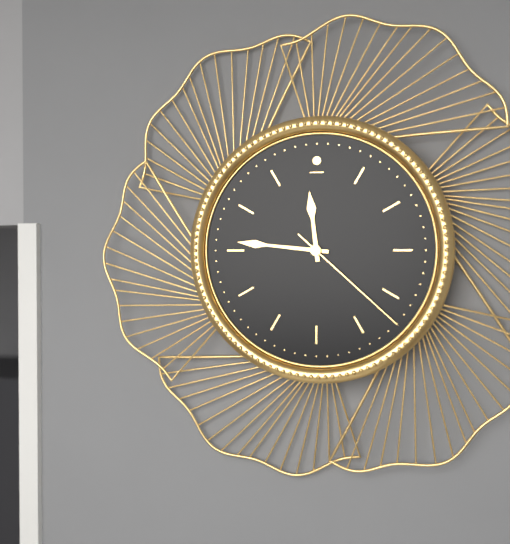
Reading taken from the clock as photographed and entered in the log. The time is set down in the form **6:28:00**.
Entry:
**11:46:22**
